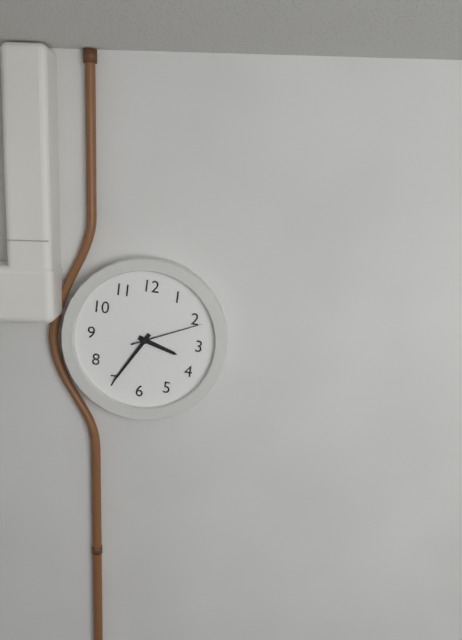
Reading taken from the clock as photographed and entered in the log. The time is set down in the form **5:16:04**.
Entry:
**3:35:11**
